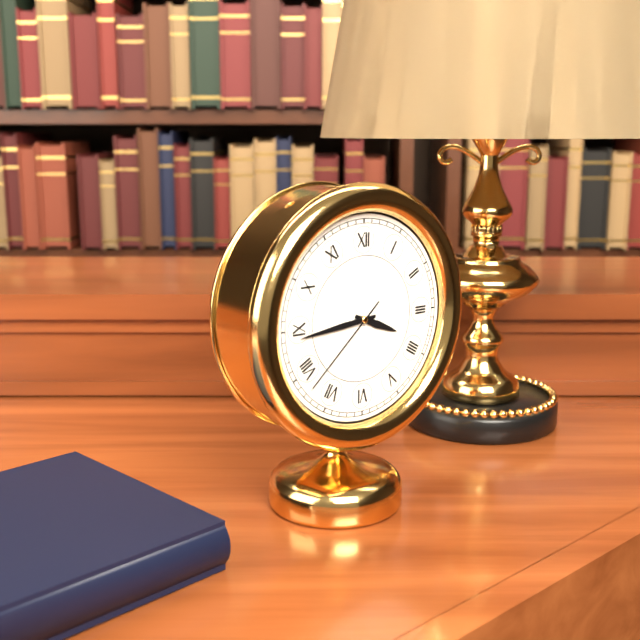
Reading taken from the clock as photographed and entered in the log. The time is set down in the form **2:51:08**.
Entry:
**3:44:38**
